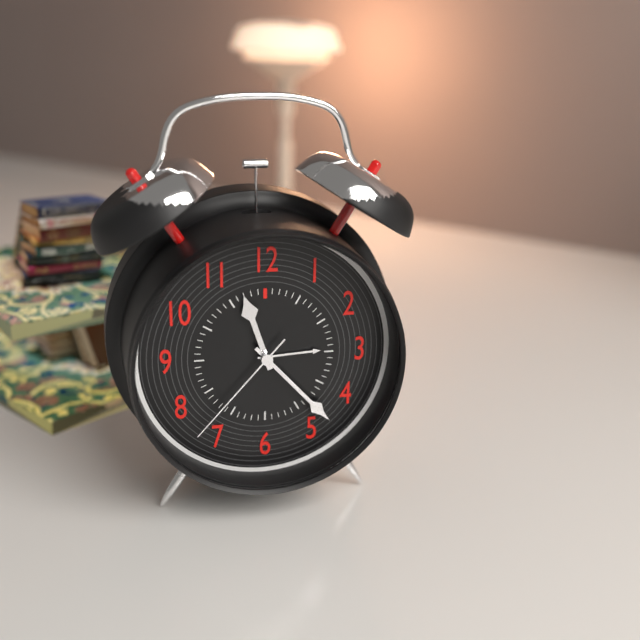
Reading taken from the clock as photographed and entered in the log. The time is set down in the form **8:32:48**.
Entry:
**11:23:37**
